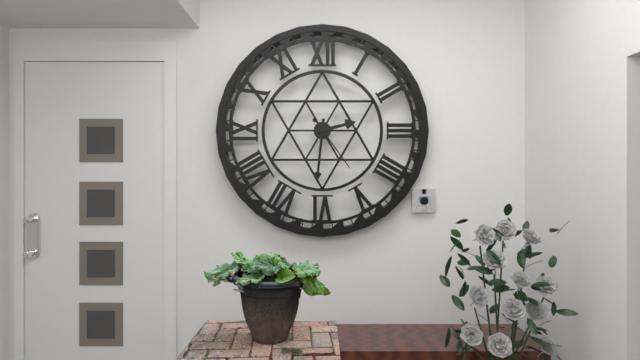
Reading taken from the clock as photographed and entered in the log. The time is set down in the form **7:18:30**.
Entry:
**2:31:24**
